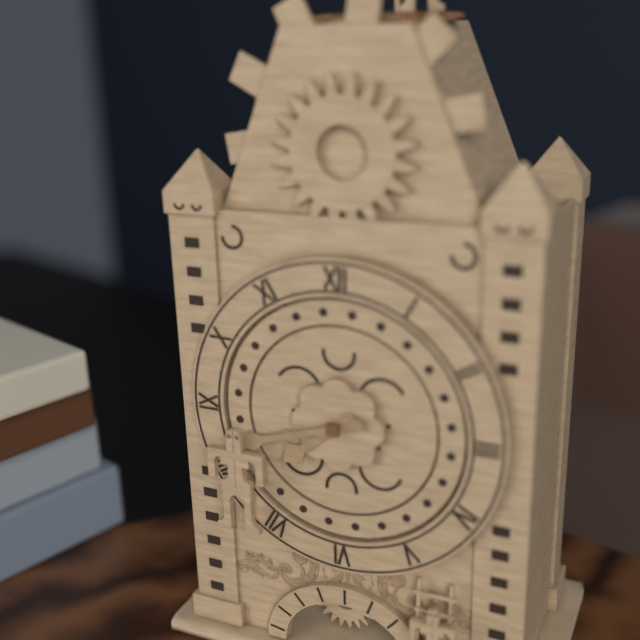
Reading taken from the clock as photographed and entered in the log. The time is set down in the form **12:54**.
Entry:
**7:42**
